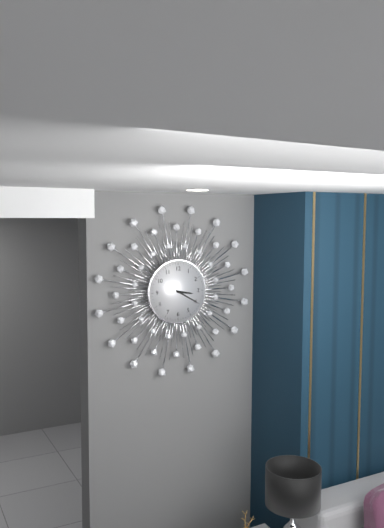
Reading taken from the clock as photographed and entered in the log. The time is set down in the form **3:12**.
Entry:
**3:20**
